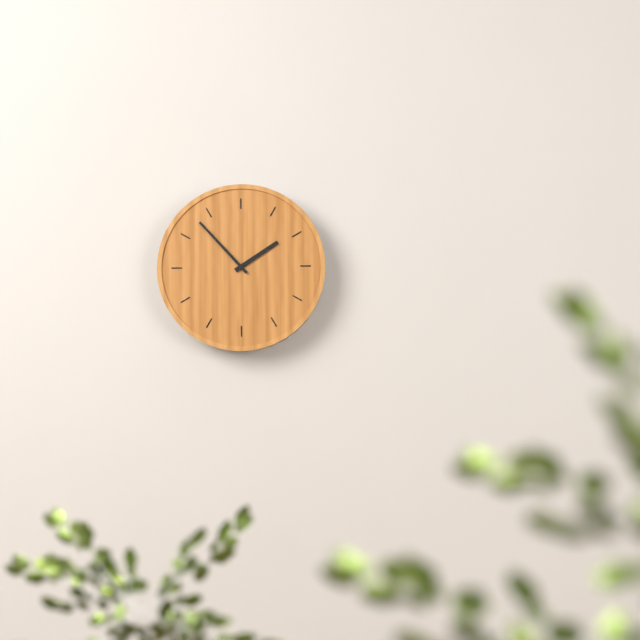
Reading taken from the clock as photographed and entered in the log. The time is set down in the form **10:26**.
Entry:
**1:53**
